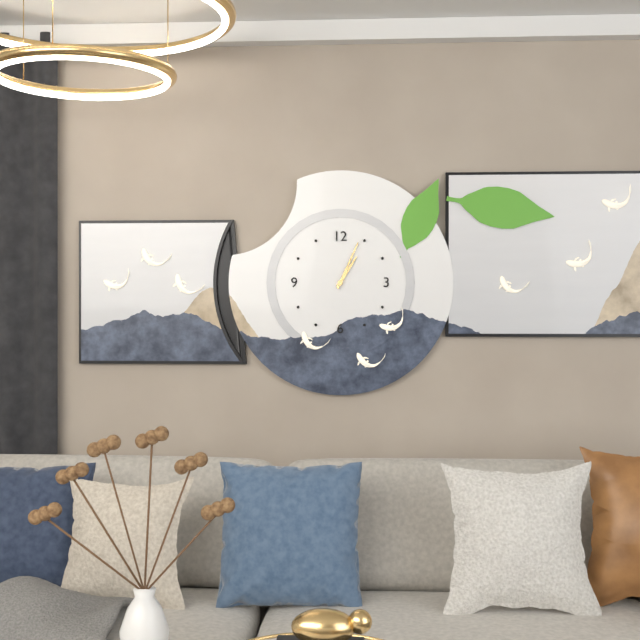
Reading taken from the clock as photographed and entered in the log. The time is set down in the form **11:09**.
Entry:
**1:04**
